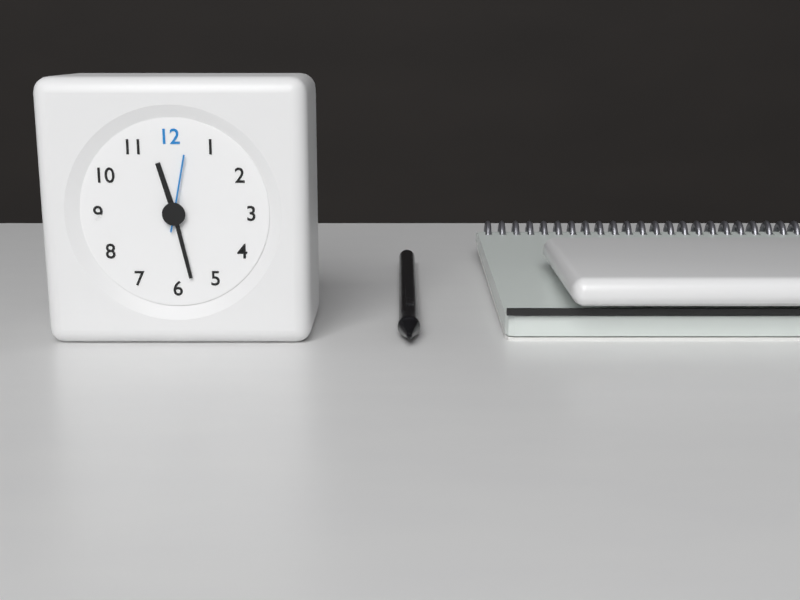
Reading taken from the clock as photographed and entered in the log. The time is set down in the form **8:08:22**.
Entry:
**11:28:02**
